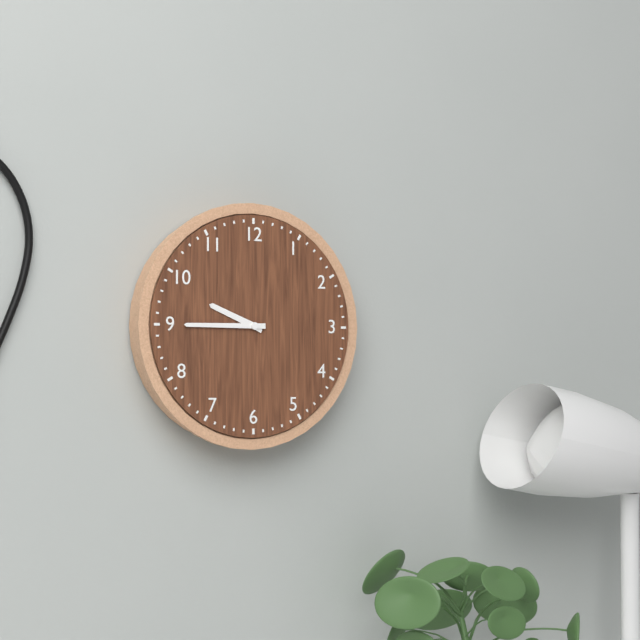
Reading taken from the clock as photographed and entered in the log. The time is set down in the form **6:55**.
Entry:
**9:45**
